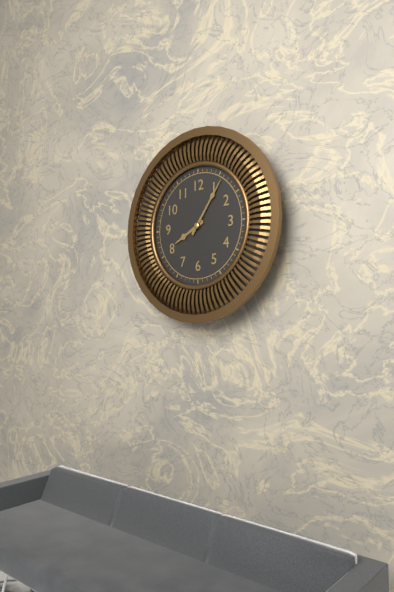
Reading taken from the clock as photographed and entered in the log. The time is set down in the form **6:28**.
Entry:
**8:06**
